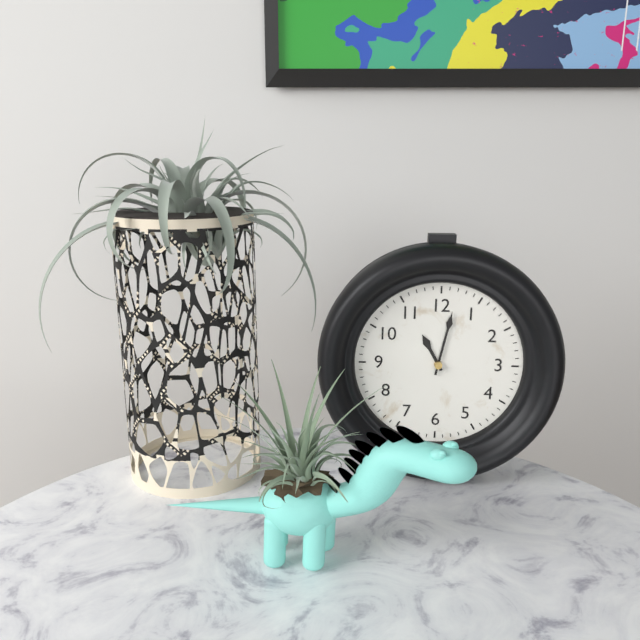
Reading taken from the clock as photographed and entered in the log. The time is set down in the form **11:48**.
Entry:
**11:02**
